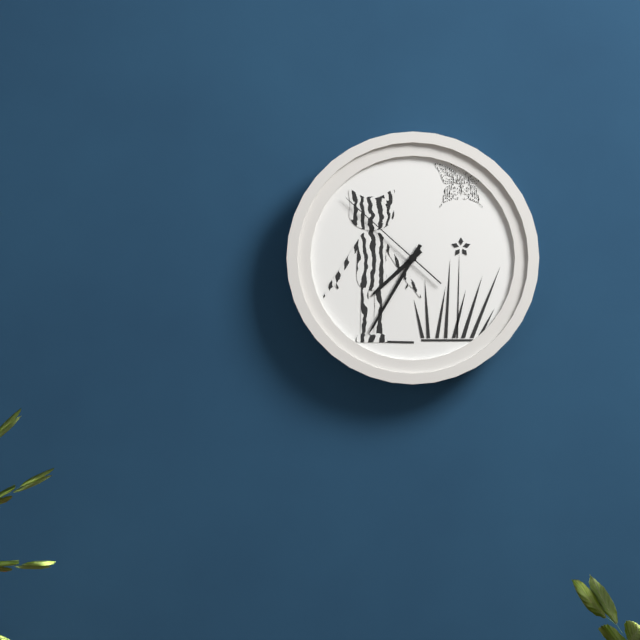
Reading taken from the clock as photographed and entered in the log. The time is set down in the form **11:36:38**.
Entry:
**7:35:52**
